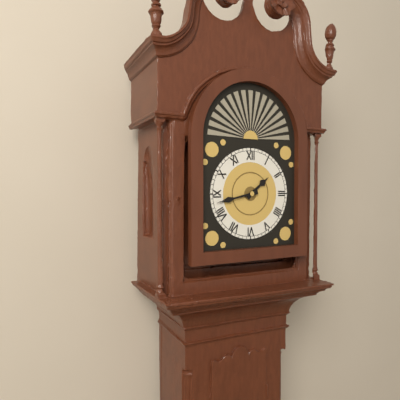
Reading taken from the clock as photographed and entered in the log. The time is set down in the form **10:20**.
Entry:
**1:43**
